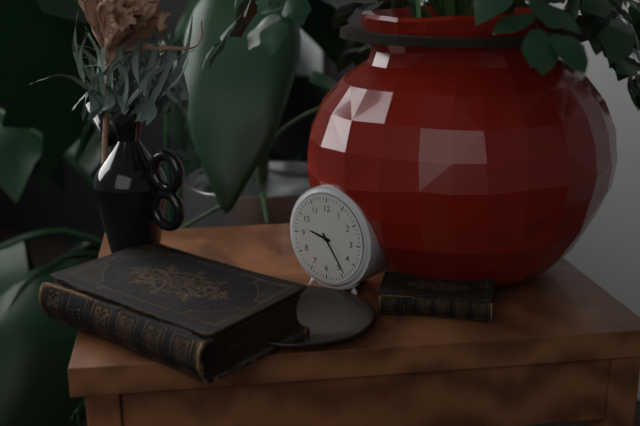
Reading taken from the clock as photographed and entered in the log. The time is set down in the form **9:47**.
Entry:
**9:24**
